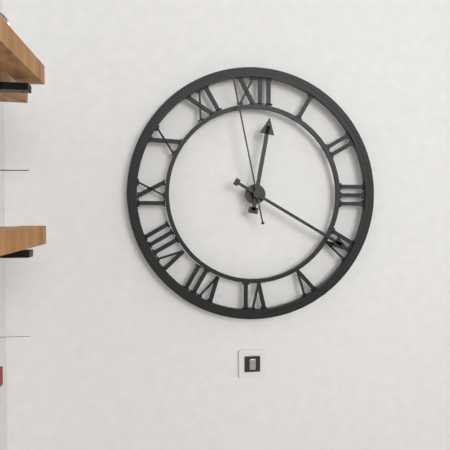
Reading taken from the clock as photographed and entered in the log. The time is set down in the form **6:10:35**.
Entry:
**12:20:58**
